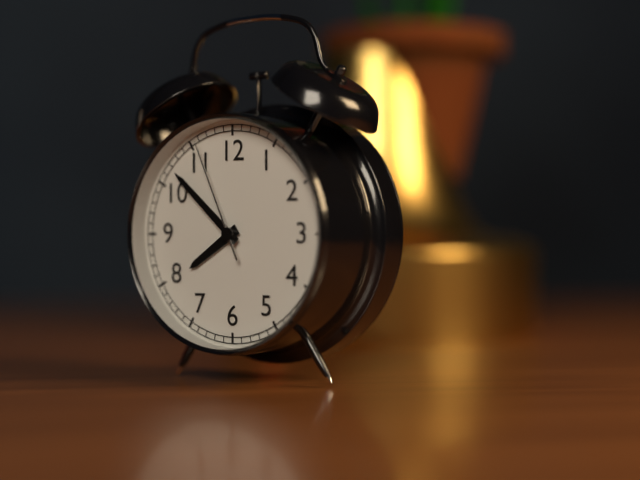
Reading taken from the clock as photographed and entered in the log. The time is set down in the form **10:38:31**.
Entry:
**7:52:56**
